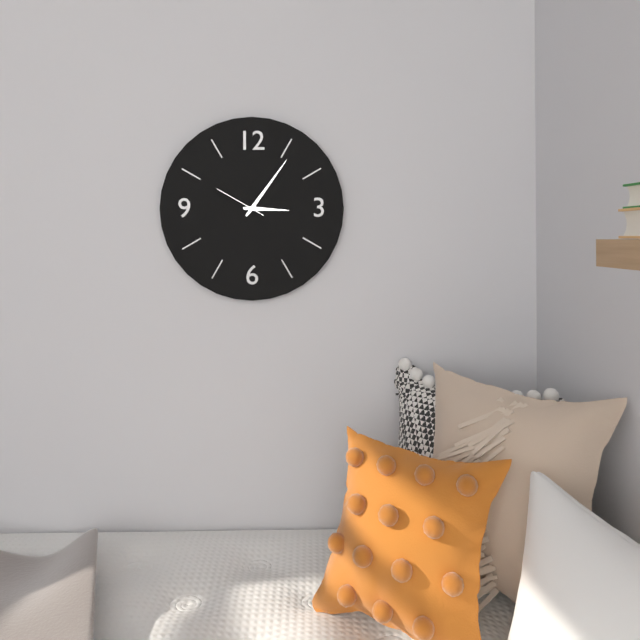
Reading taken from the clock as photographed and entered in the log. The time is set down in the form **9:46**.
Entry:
**3:06**
